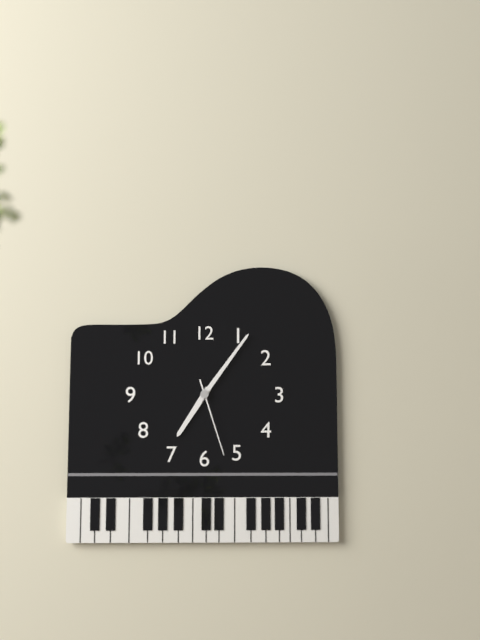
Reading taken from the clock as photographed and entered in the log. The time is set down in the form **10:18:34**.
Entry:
**7:06:27**
